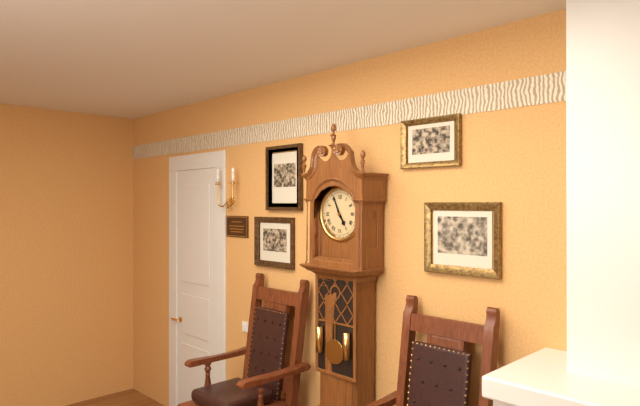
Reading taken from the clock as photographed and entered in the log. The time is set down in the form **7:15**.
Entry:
**4:56**
